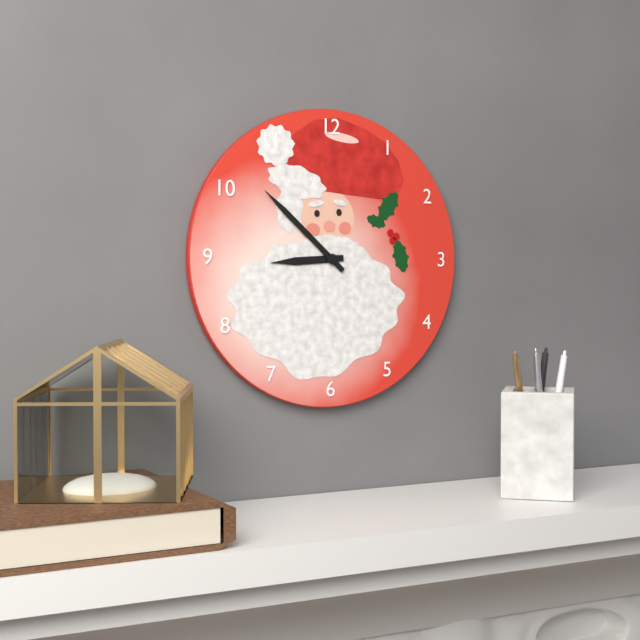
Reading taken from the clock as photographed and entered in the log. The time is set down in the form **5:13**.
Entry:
**8:52**
